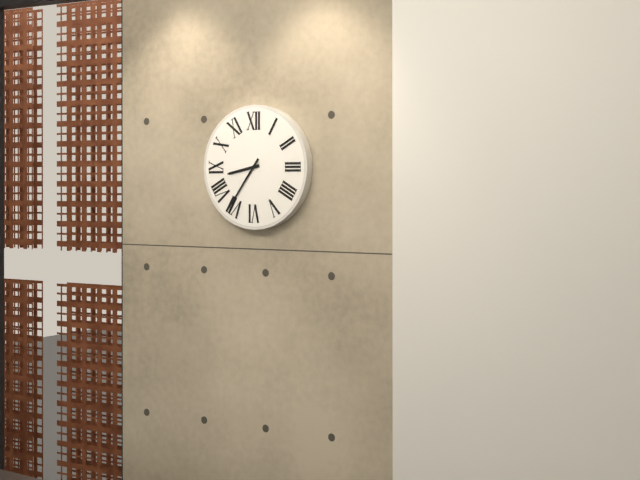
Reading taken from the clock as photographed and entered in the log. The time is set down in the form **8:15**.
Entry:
**8:36**
